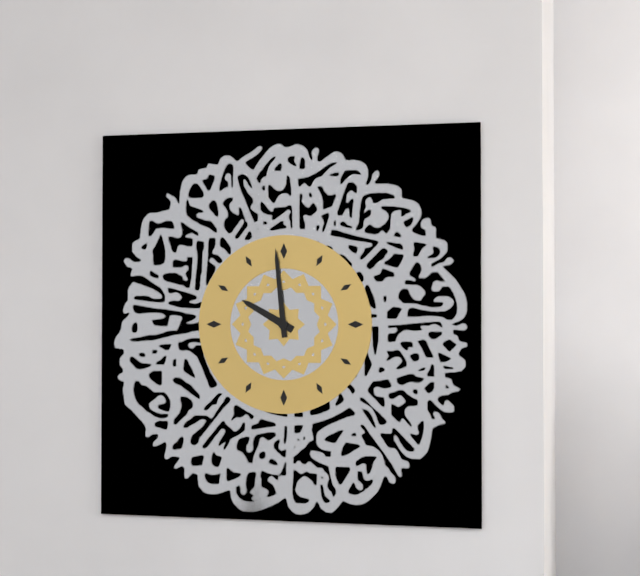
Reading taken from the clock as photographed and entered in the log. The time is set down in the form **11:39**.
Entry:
**9:59**
